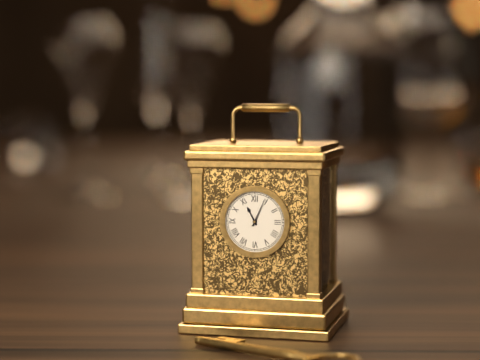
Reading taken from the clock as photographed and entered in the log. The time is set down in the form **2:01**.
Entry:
**11:04**
